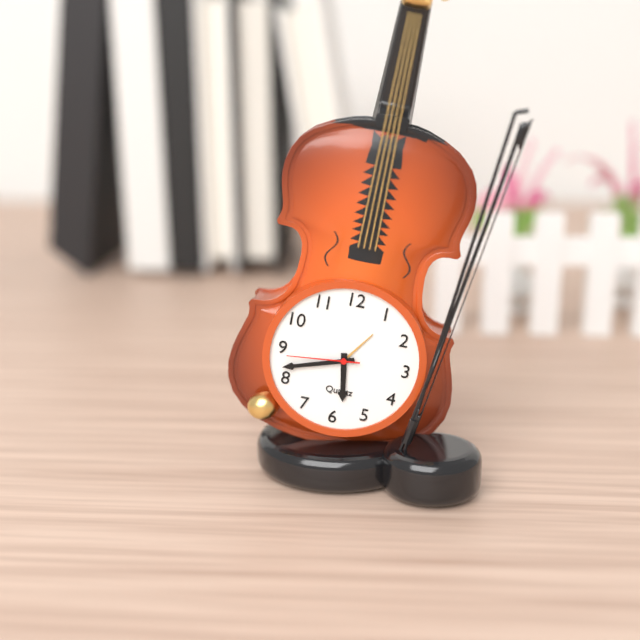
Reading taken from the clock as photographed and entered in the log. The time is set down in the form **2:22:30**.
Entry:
**5:42:44**
